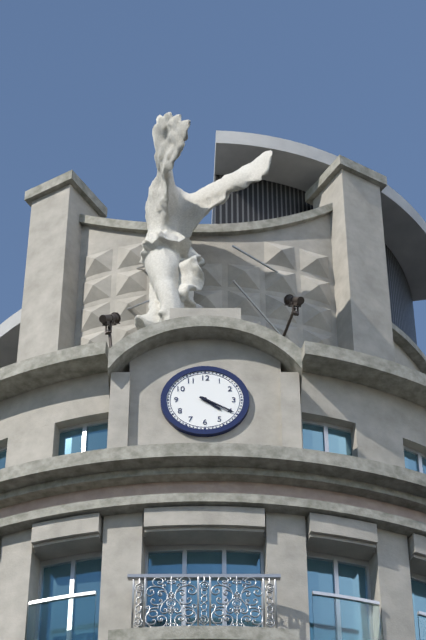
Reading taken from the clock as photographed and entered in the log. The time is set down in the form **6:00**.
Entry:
**4:20**
